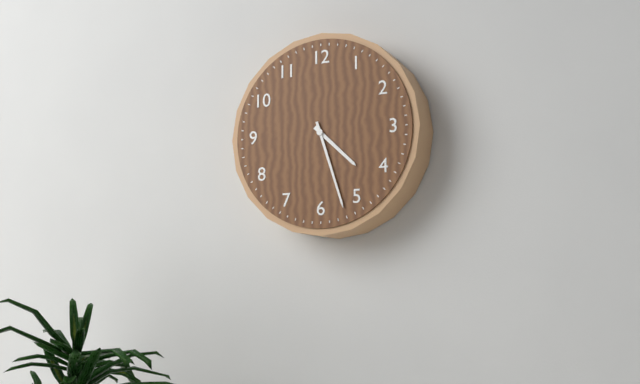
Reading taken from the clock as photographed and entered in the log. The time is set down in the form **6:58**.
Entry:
**4:27**
